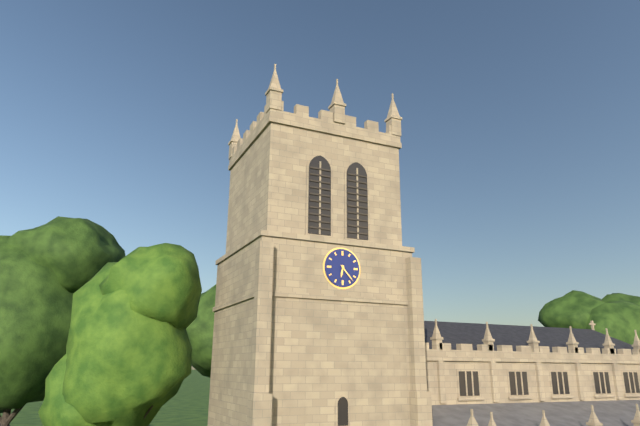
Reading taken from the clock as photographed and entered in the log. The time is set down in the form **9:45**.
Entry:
**6:23**
